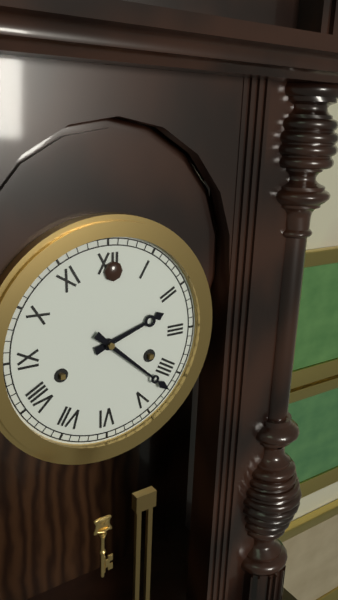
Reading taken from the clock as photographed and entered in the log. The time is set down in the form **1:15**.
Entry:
**2:22**
